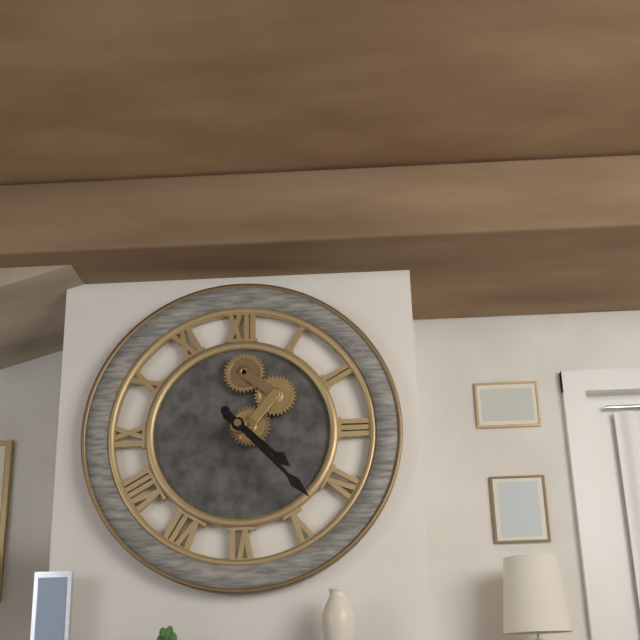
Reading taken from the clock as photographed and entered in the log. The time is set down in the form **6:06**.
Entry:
**4:23**
